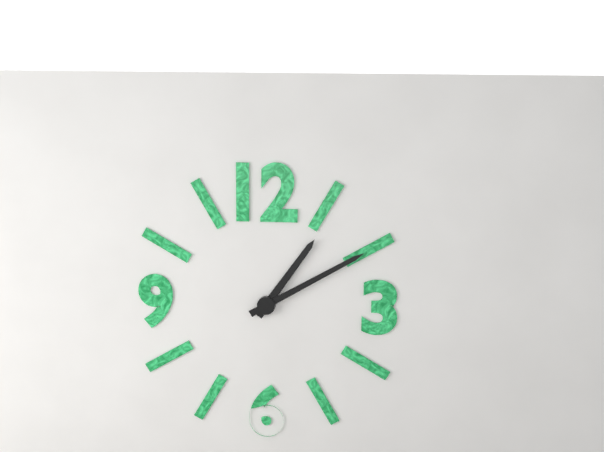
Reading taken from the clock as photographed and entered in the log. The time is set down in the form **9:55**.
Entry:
**1:10**
